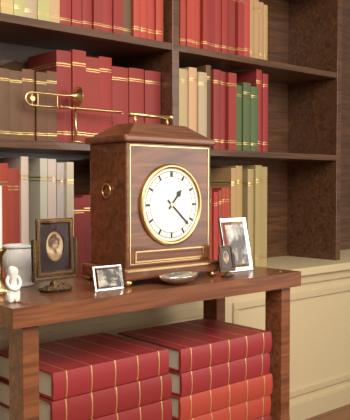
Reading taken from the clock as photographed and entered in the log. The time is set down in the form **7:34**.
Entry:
**1:22**
